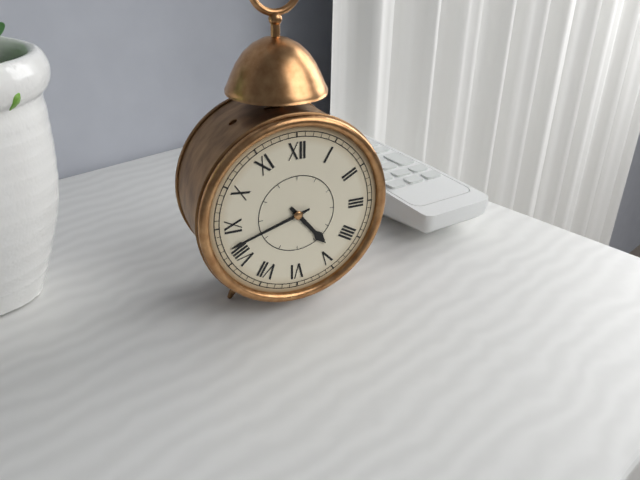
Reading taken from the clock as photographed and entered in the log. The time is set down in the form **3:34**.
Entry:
**4:42**
